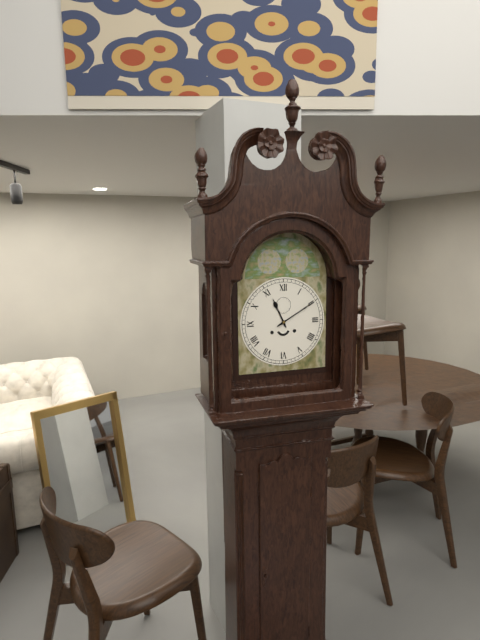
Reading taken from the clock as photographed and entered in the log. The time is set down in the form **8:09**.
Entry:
**11:10**
